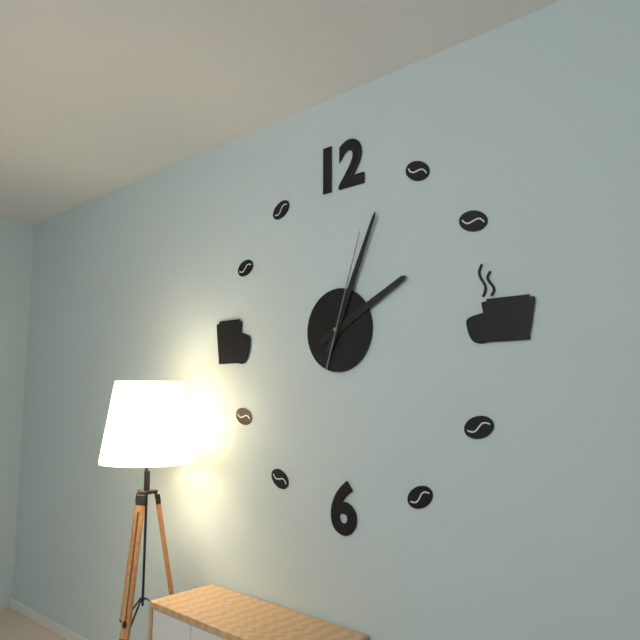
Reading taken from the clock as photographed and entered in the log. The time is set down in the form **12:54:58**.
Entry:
**2:04:03**
